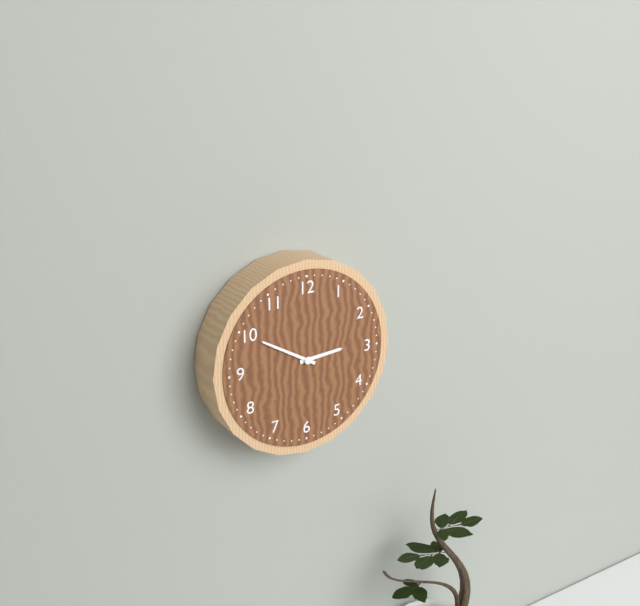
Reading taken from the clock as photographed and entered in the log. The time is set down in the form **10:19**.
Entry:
**2:50**
